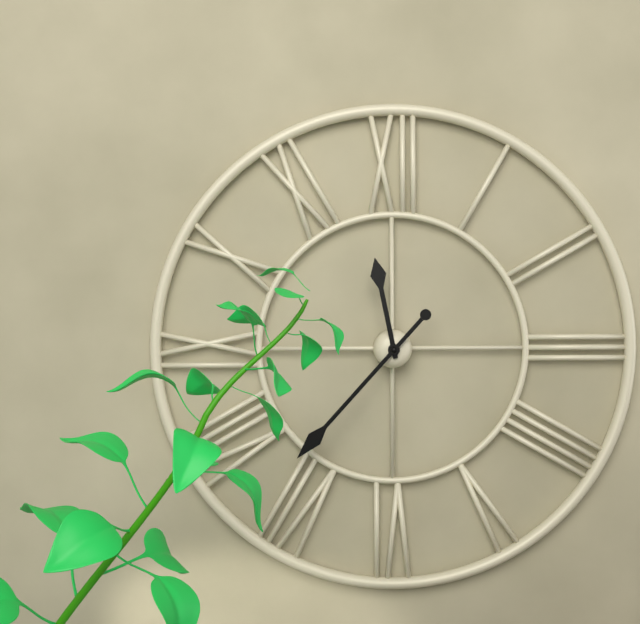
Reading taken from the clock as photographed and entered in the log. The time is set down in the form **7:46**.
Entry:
**11:37**
